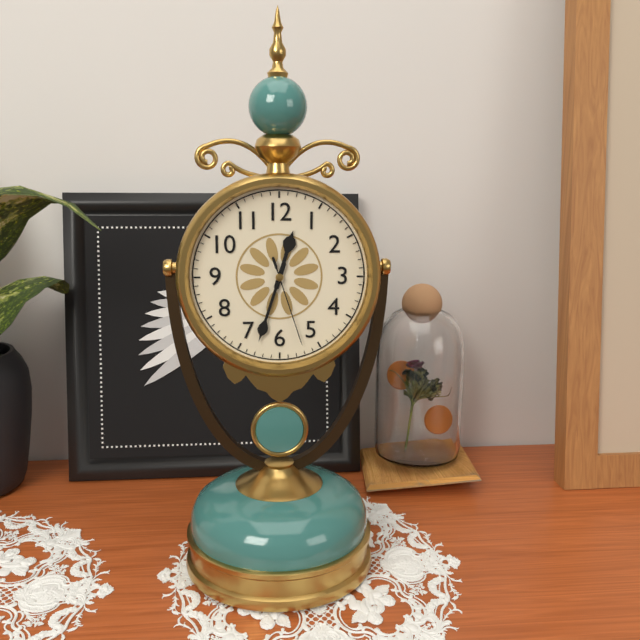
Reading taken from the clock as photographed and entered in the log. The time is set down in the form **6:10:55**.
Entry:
**12:33:27**
